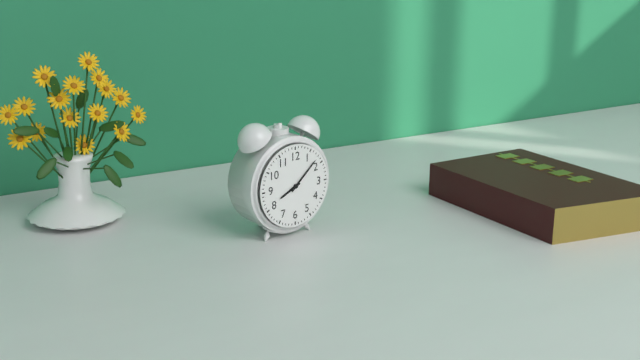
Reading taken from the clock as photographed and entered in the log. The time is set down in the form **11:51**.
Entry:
**8:08**
